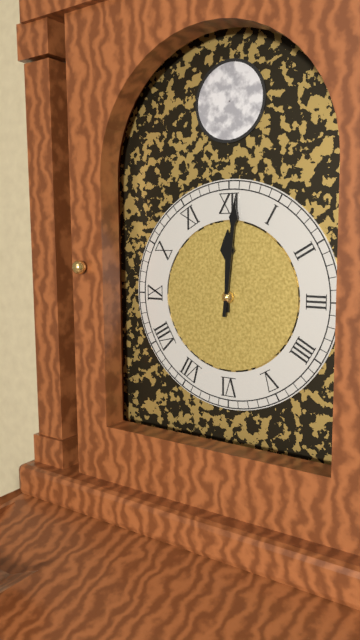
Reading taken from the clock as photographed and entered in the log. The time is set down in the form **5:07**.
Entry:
**12:01**
